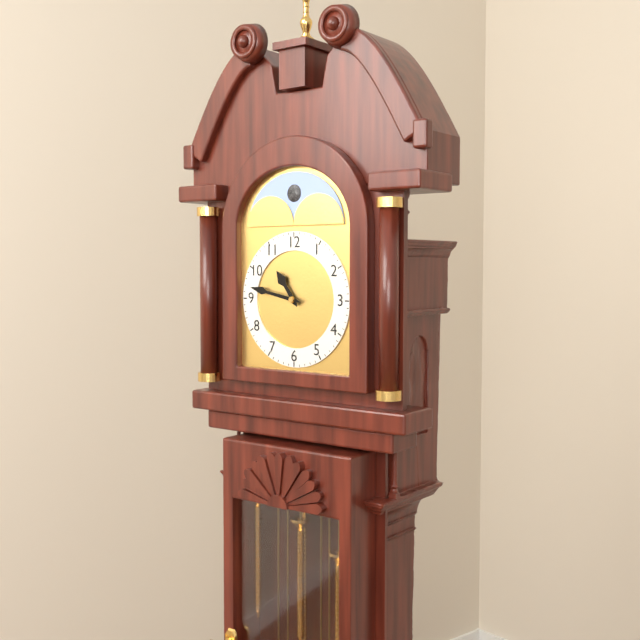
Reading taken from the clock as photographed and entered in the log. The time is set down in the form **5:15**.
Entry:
**10:47**
